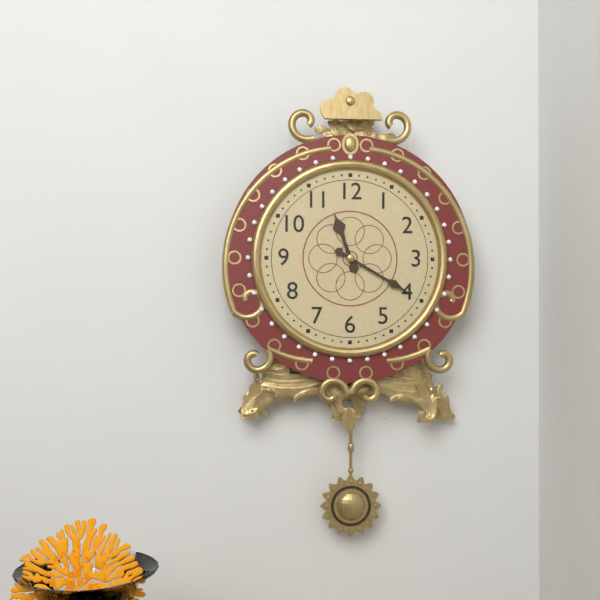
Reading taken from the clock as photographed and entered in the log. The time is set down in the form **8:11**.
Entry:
**11:20**
